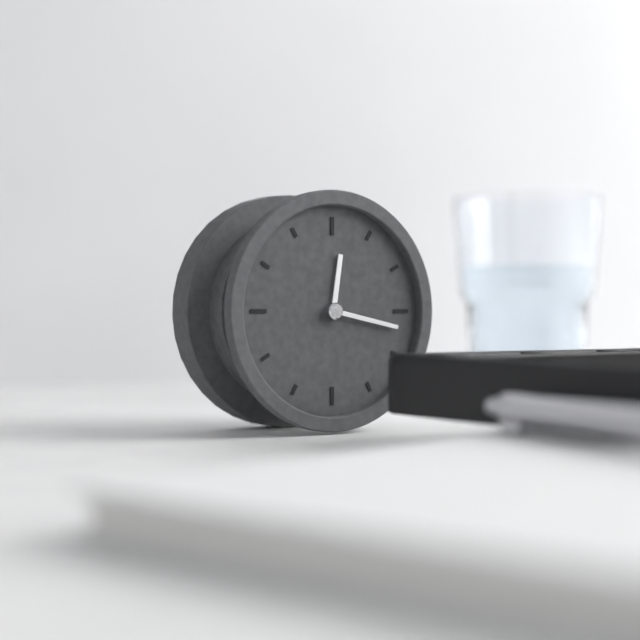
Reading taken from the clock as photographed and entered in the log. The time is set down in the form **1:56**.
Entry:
**12:17**
